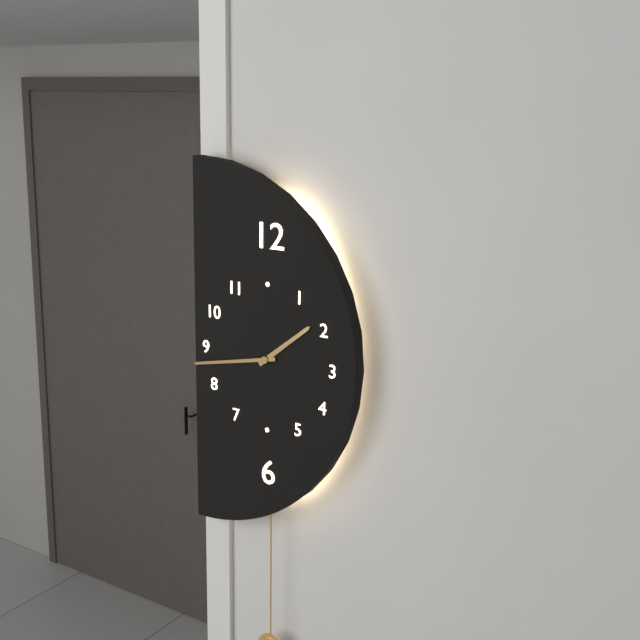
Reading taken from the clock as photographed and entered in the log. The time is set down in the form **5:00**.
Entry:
**1:43**
